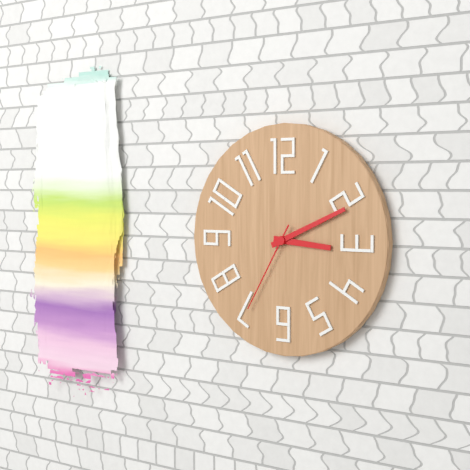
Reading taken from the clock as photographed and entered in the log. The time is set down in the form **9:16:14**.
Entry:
**3:11:35**
